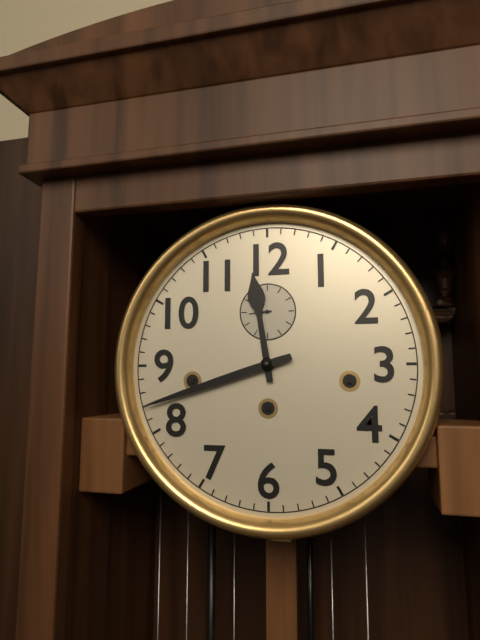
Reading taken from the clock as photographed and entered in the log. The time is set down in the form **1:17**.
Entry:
**11:42**
